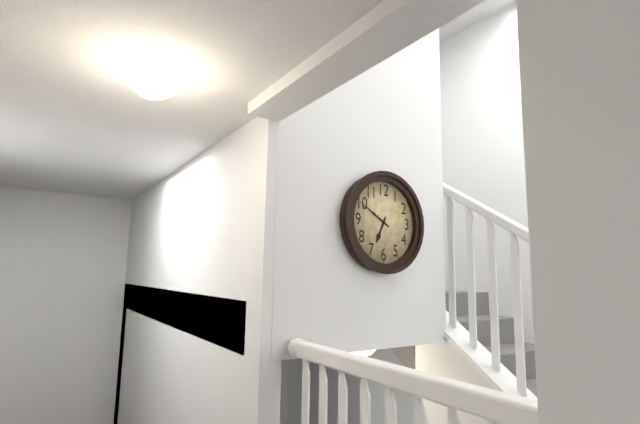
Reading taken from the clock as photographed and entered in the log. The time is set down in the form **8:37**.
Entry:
**6:50**
